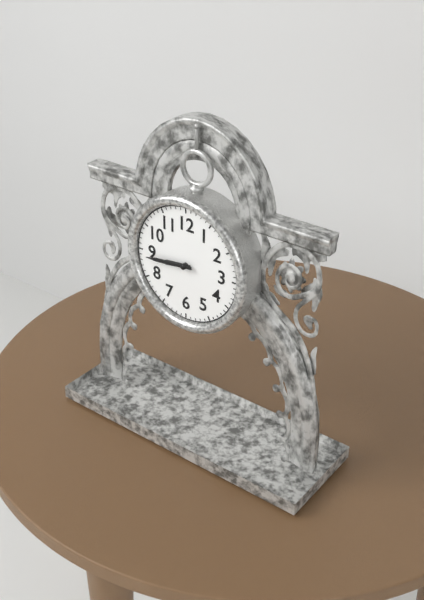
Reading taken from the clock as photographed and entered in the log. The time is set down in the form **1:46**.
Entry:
**8:44**
